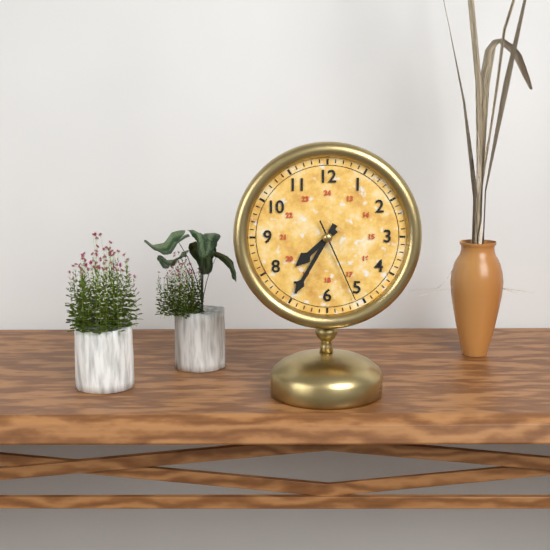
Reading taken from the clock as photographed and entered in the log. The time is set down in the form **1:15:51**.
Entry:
**7:35:26**
